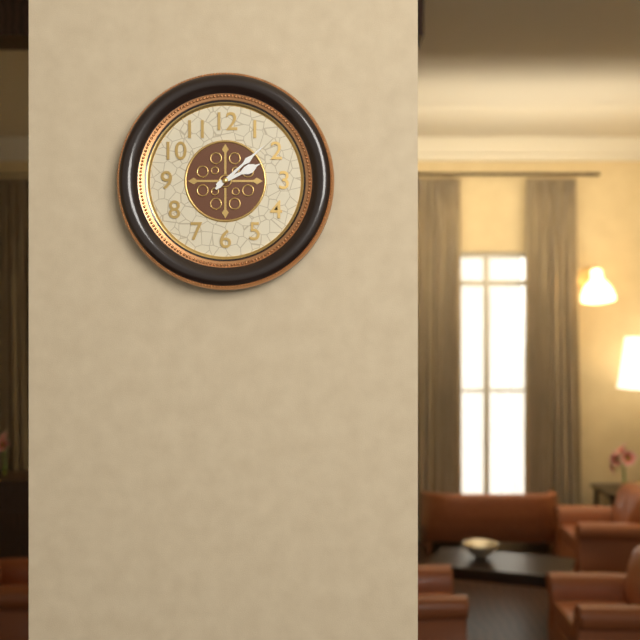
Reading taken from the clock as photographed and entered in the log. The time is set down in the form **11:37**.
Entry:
**2:08**
